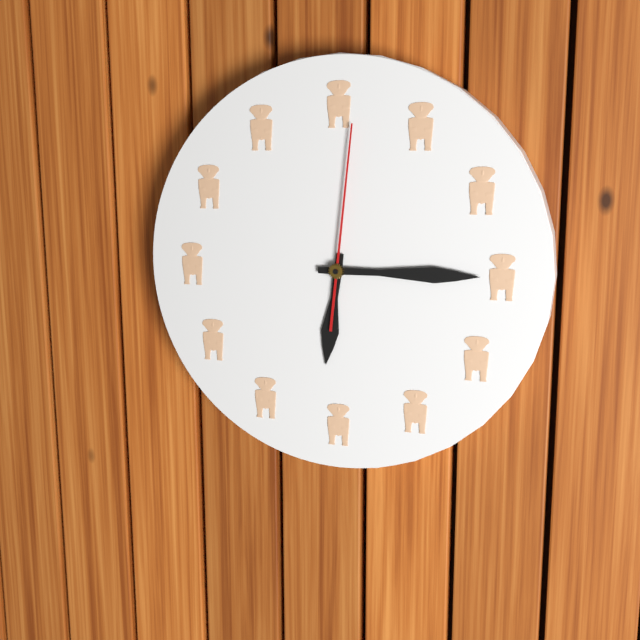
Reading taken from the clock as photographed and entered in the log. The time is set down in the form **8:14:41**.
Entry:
**6:15:01**
